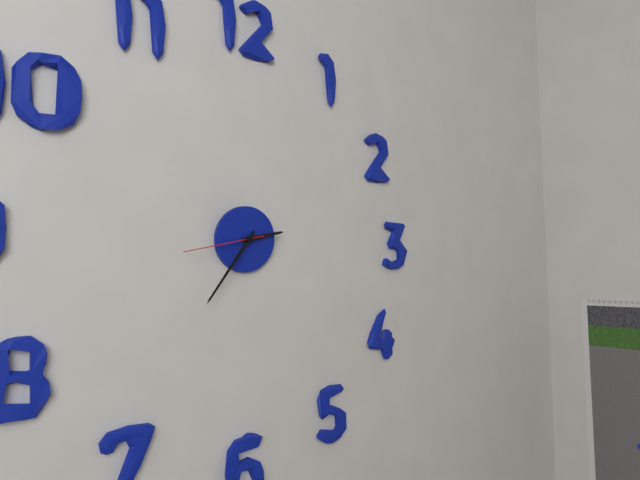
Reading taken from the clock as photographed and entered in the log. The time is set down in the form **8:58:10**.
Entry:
**2:36:43**
